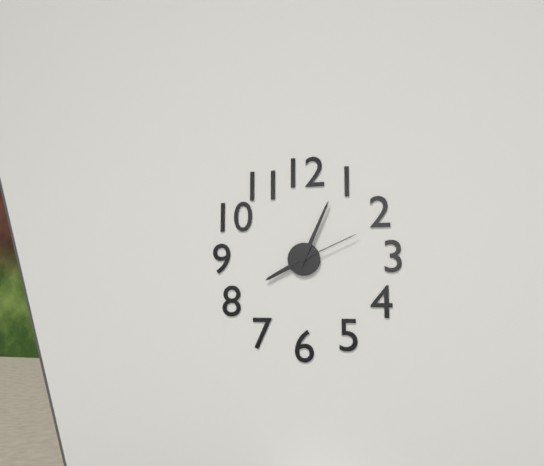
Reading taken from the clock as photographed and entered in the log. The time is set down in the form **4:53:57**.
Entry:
**8:04:11**
